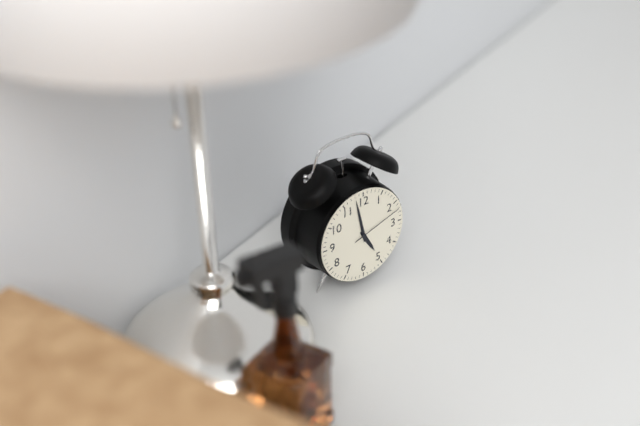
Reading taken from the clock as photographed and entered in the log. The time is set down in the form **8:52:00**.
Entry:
**4:58:12**
